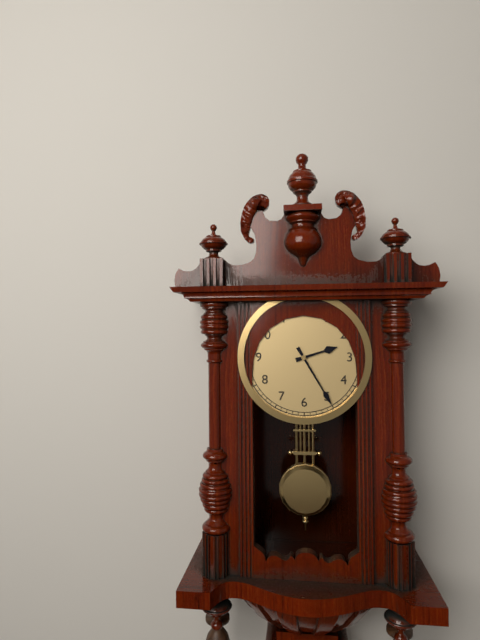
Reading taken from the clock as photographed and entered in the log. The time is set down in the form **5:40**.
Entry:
**2:25**
